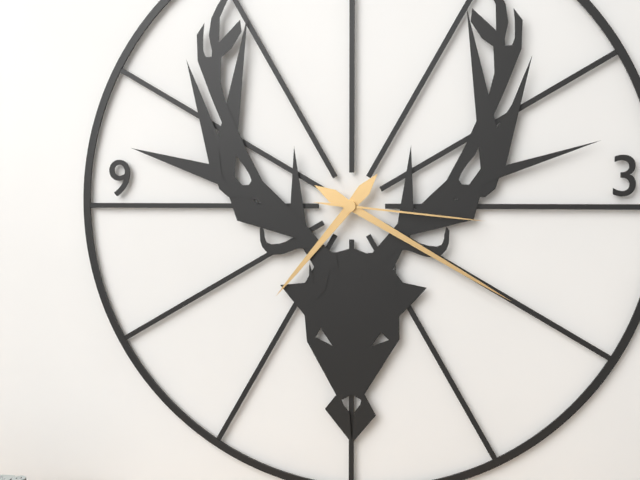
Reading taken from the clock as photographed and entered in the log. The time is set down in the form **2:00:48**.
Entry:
**7:20:16**
